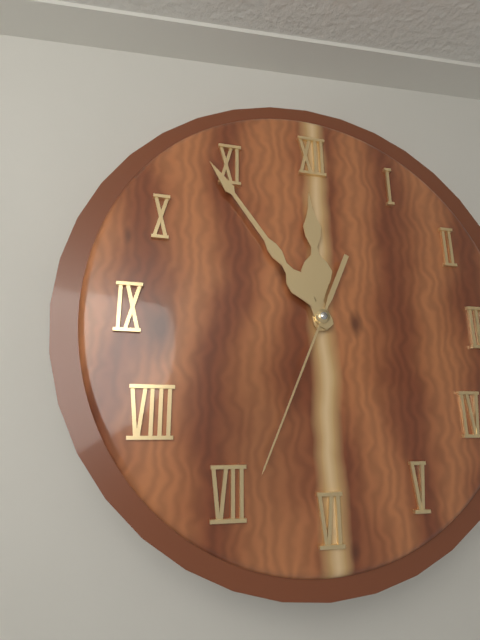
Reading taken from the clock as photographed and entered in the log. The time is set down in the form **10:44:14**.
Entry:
**11:54:34**
